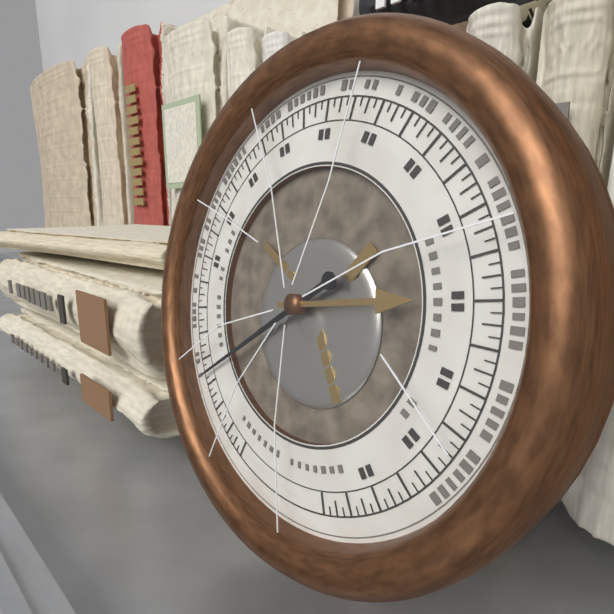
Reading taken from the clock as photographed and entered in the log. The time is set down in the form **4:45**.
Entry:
**2:39**
